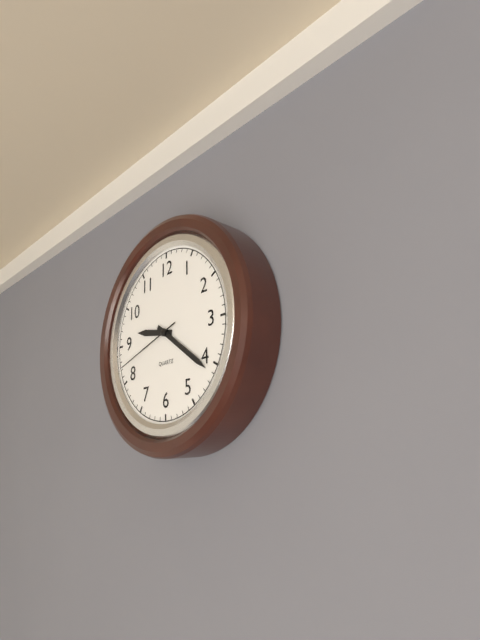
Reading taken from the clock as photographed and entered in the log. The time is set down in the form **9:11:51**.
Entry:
**9:21:42**
